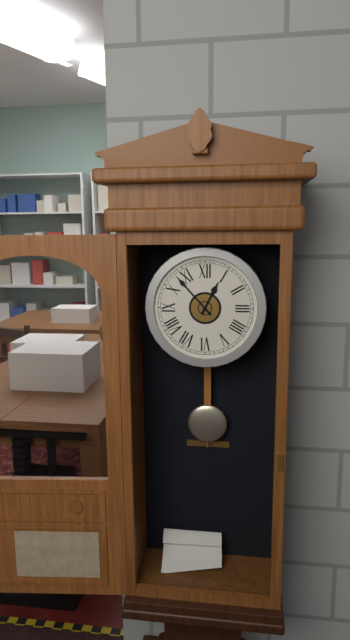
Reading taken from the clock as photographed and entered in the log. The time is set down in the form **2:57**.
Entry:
**12:53**
